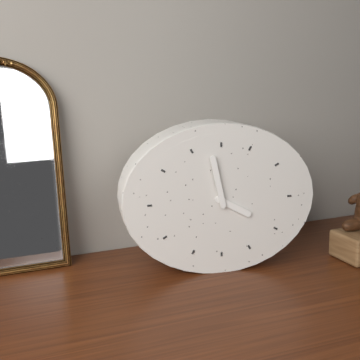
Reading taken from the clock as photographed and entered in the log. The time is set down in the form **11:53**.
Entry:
**3:58**
